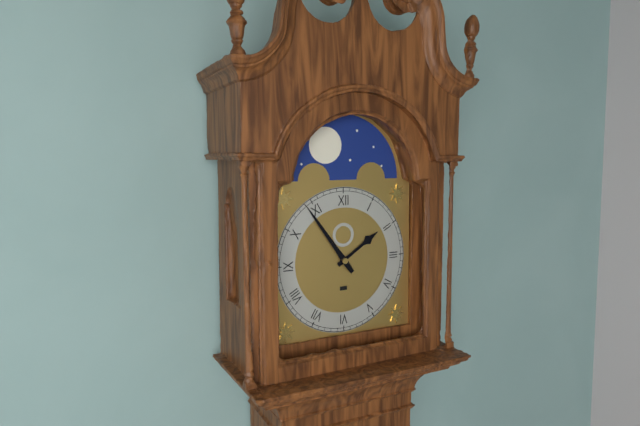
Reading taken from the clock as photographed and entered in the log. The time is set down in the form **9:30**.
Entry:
**1:54**
